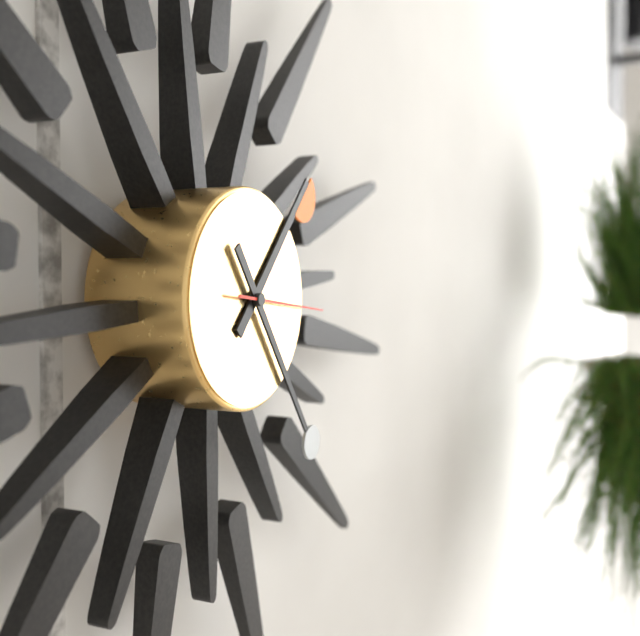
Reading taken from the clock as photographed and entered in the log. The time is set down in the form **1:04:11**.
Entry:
**1:24:16**
